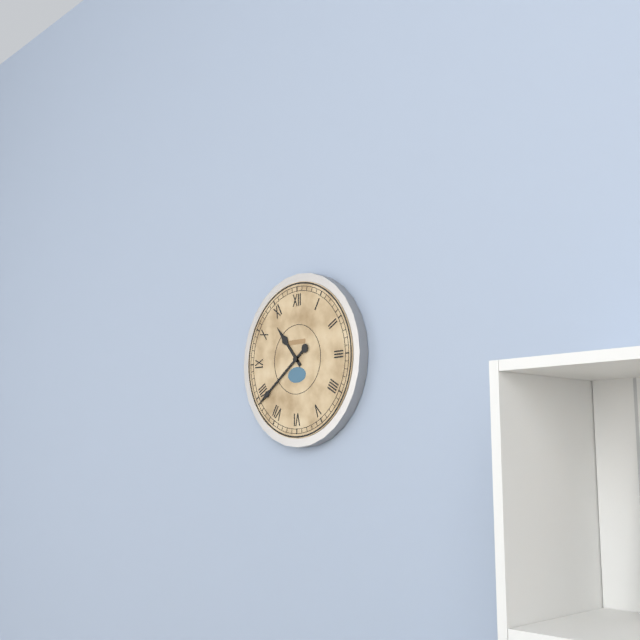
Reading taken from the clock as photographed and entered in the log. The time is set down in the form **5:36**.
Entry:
**10:39**
